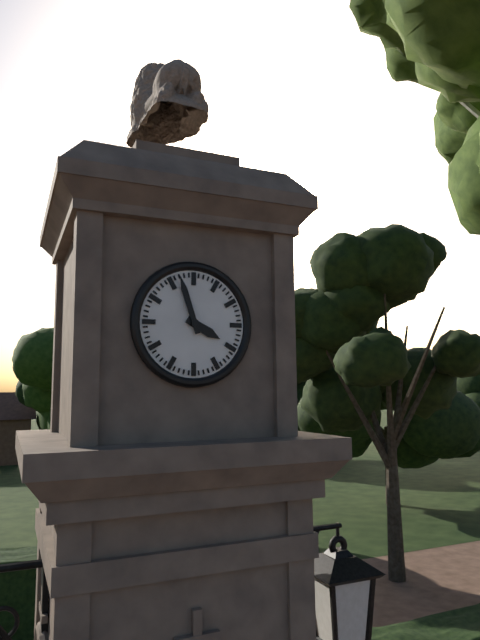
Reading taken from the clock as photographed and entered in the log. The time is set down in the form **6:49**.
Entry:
**3:57**
